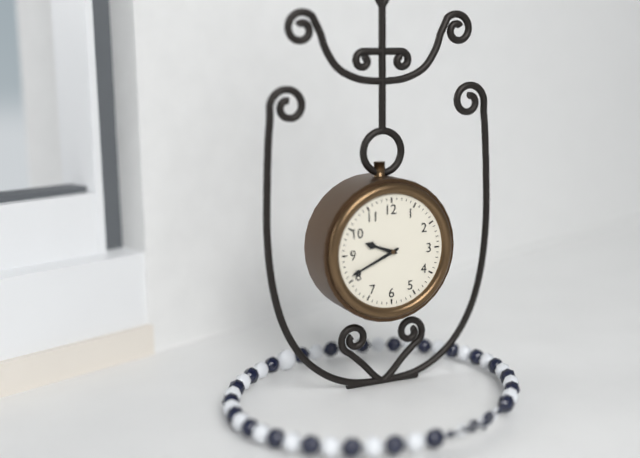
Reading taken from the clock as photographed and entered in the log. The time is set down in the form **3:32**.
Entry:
**9:41**
